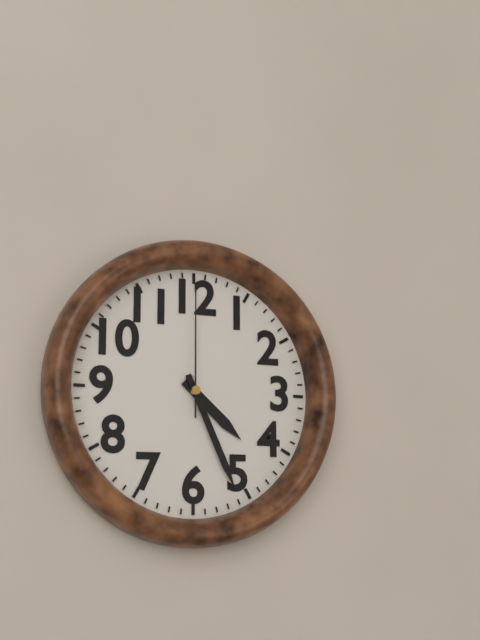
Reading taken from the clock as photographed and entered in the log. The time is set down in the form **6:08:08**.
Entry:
**4:26:00**
